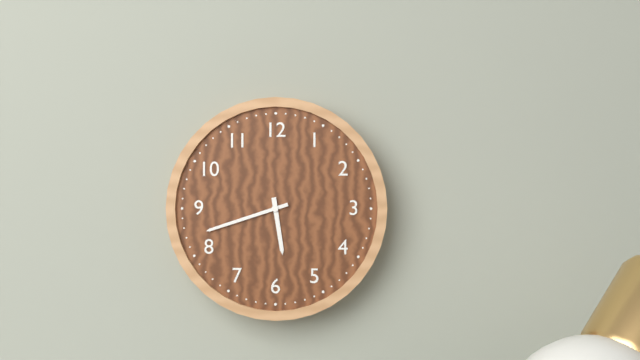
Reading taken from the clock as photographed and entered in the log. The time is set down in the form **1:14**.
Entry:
**5:42**
